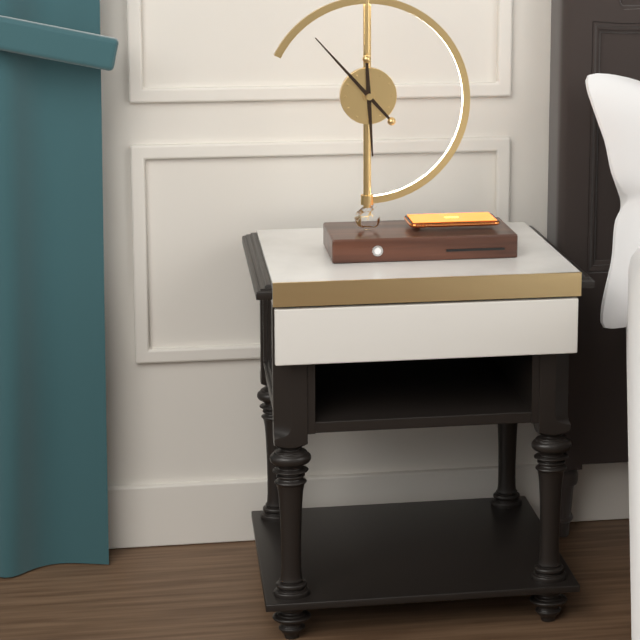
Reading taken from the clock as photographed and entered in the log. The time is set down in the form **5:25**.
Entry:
**5:53**
